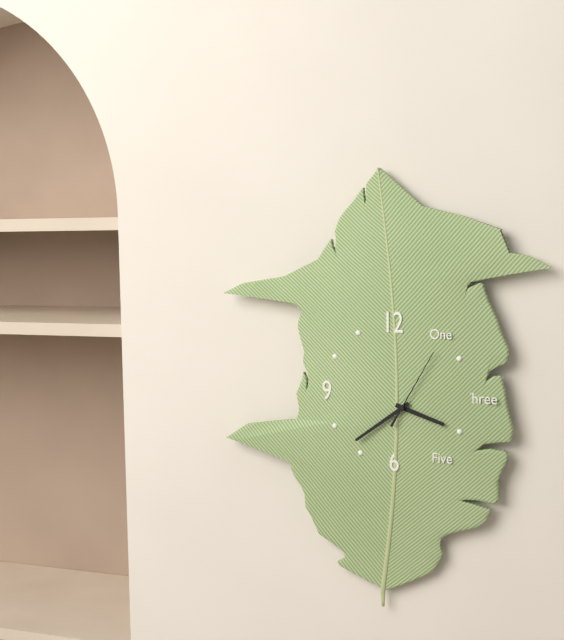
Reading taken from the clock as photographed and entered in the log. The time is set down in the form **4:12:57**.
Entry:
**3:39:05**
